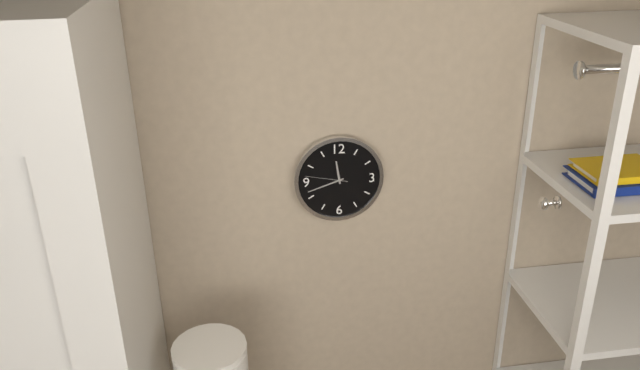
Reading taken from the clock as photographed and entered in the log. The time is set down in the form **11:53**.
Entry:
**11:42**
